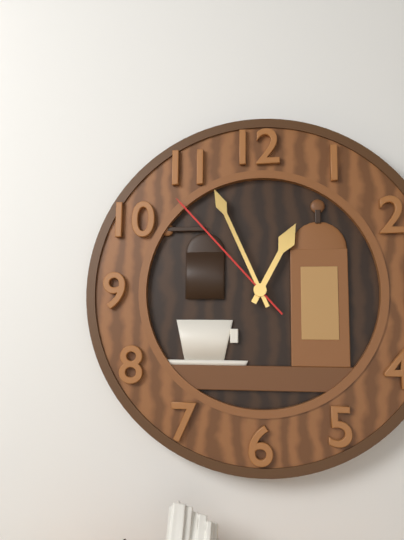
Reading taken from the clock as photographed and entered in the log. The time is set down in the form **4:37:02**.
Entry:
**12:56:53**
